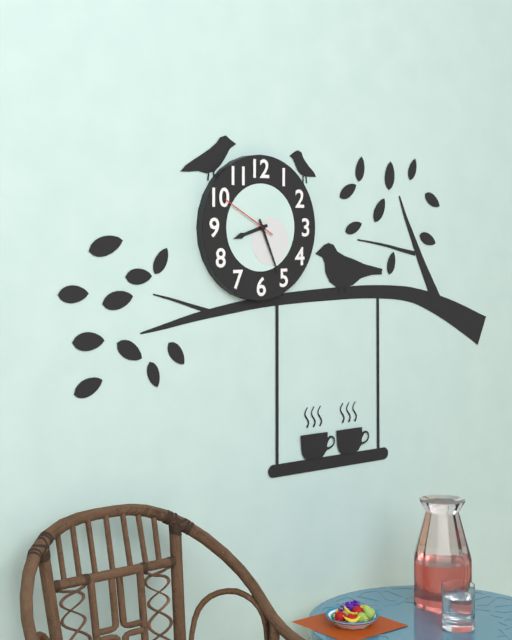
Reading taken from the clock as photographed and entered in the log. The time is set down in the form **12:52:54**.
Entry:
**8:26:50**
